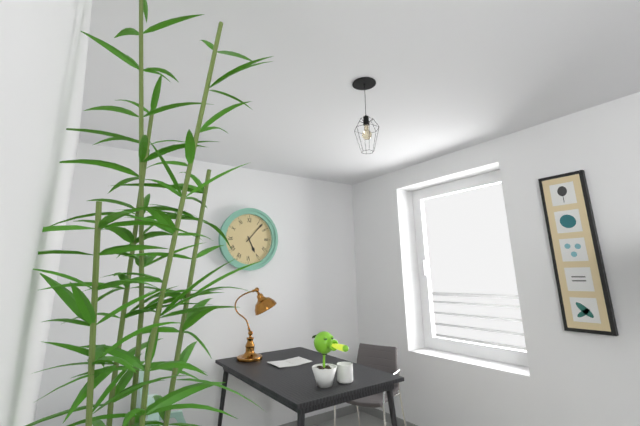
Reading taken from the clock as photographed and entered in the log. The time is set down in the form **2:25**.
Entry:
**5:07**
